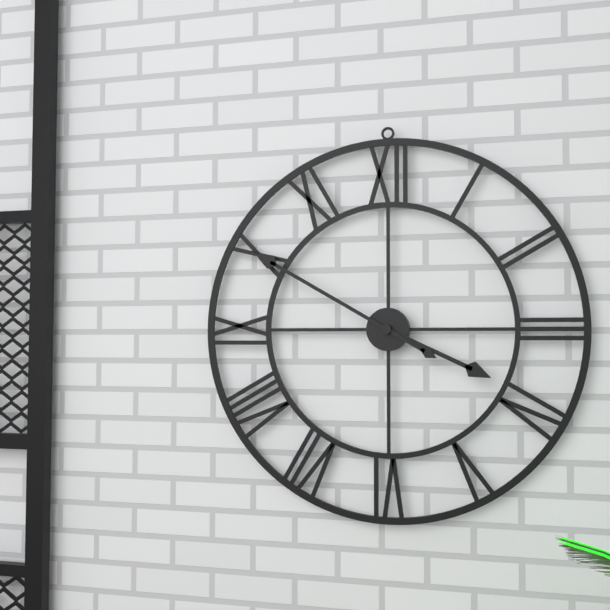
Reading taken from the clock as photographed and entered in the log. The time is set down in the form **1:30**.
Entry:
**3:50**
